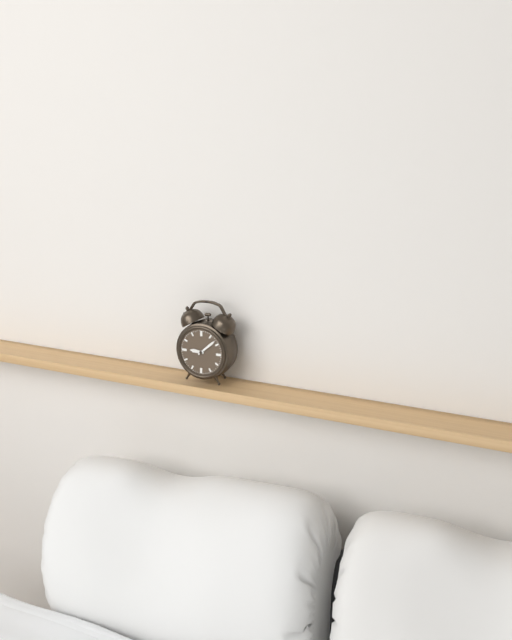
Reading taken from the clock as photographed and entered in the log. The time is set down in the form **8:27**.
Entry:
**9:08**
